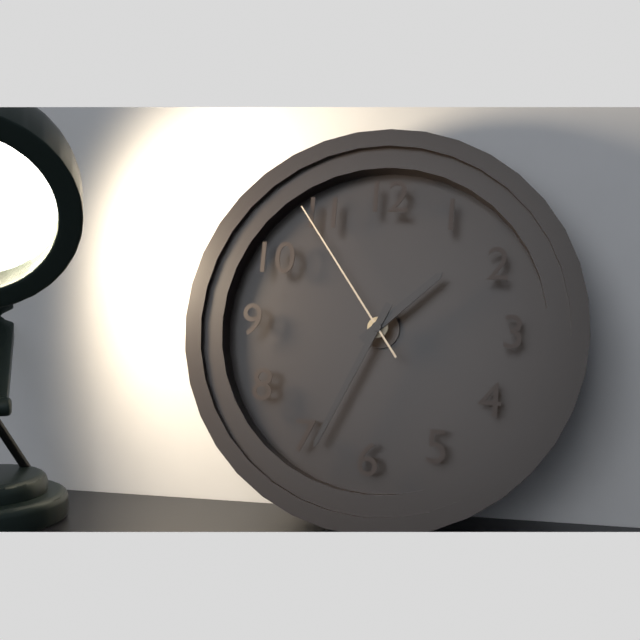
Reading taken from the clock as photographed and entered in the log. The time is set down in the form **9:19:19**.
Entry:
**1:34:54**
